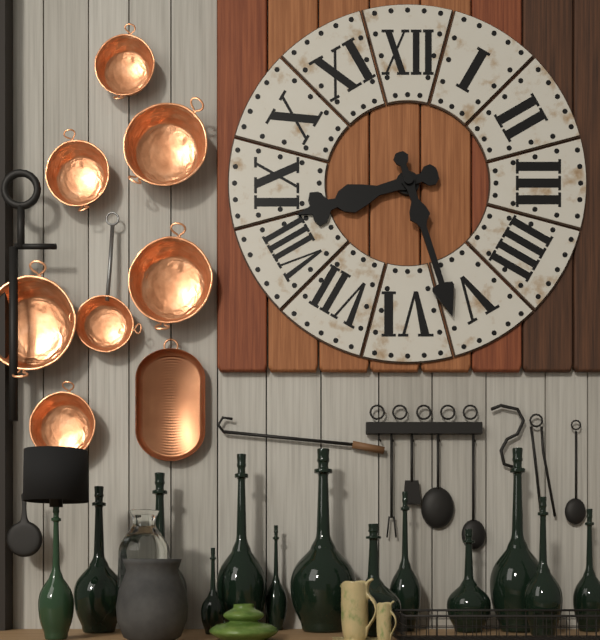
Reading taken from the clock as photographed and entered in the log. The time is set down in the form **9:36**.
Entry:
**8:27**
